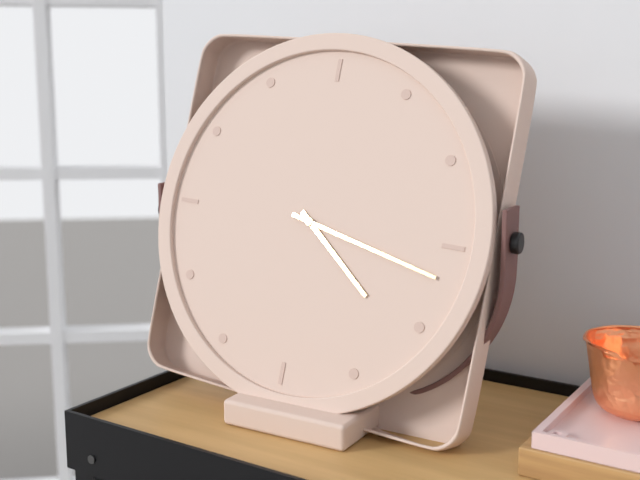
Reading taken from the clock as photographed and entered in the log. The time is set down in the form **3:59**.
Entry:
**4:17**
